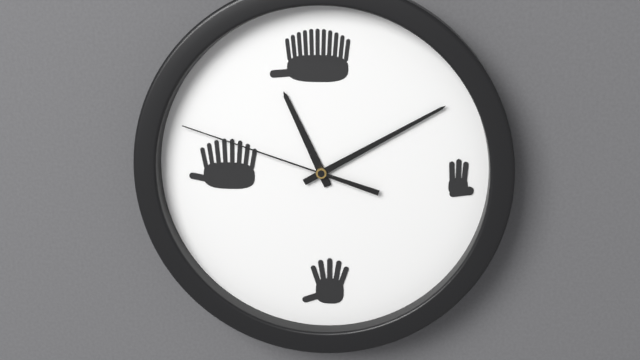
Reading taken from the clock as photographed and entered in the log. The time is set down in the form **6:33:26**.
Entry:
**11:10:48**
